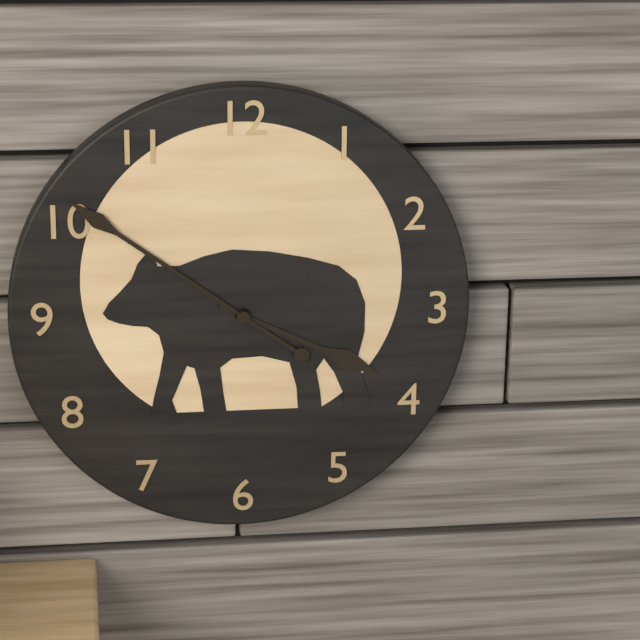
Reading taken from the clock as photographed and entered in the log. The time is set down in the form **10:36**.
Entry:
**3:51**
